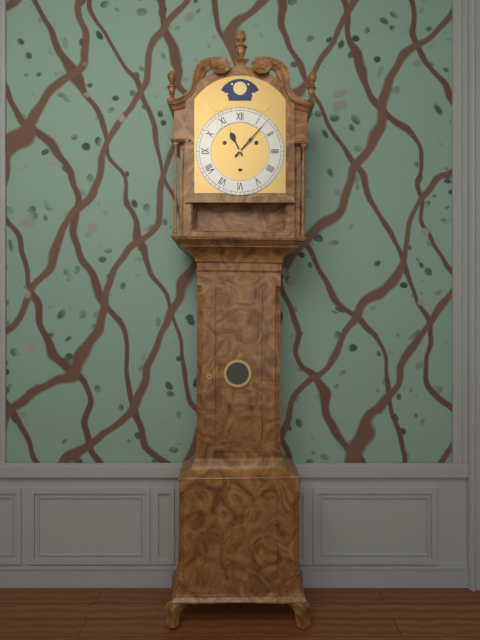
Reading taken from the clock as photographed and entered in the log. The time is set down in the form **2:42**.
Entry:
**11:07**
